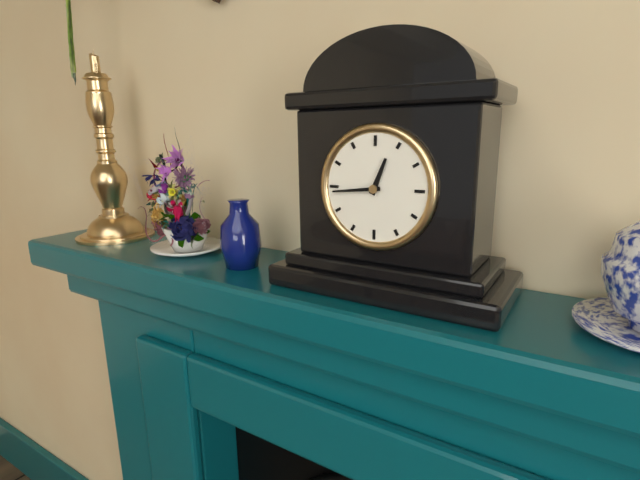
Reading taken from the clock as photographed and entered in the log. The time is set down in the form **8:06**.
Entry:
**12:44**
